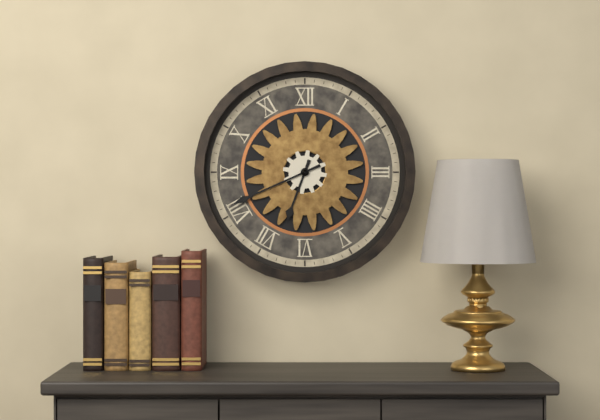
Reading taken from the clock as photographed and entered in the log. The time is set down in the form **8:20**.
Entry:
**6:41**
